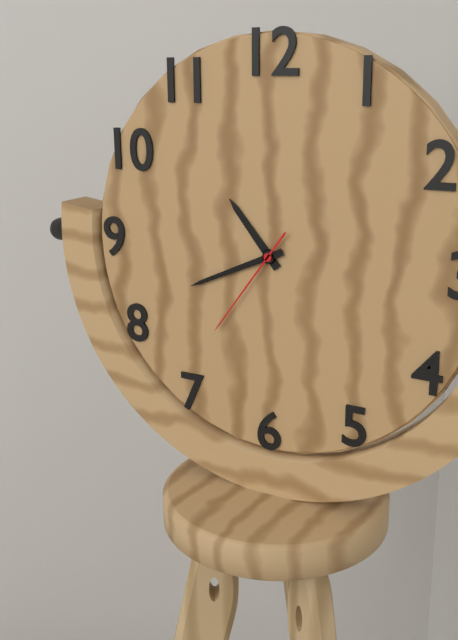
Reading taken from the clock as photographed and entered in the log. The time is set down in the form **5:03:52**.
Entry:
**10:41:36**
